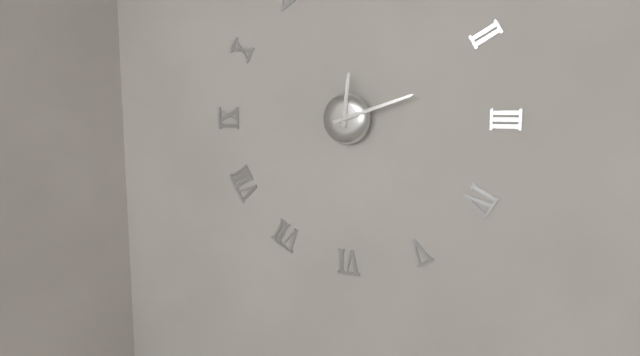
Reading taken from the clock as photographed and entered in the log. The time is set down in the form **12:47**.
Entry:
**12:12**
